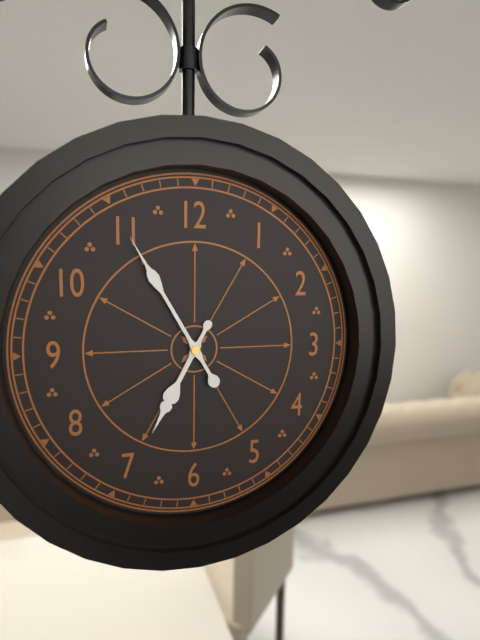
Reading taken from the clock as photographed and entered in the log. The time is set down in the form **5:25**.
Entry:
**6:55**
